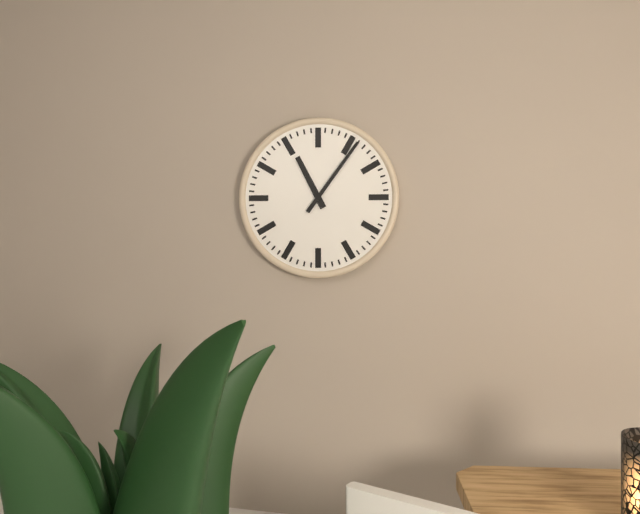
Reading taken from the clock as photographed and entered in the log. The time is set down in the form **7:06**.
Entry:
**11:06**
